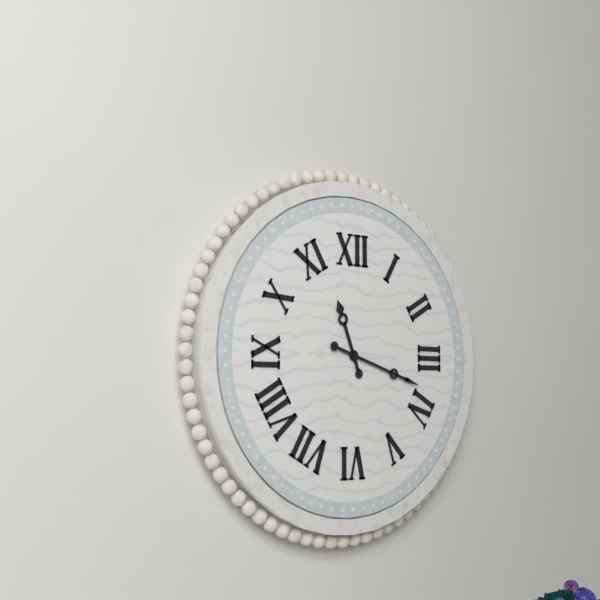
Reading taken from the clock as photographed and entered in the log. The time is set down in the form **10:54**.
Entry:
**11:18**
